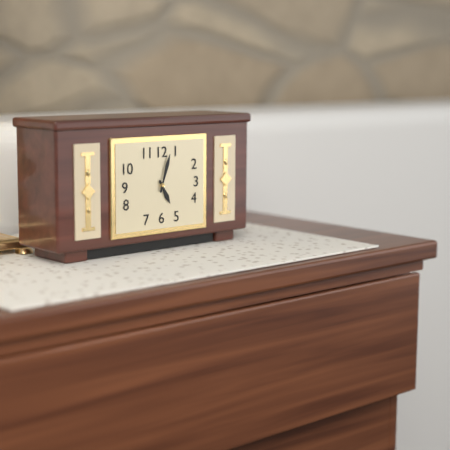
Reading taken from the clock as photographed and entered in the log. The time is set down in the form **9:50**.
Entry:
**5:03**
